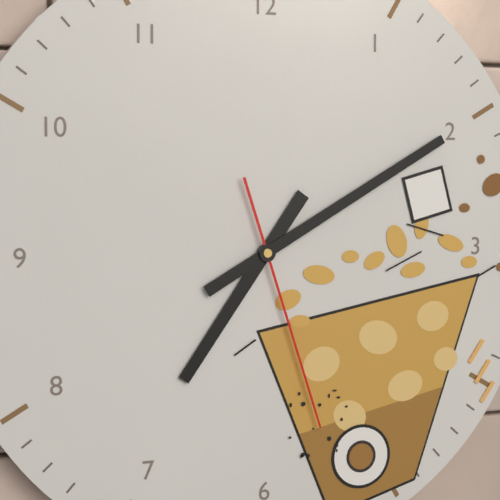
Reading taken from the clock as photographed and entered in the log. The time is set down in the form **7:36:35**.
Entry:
**7:10:27**
